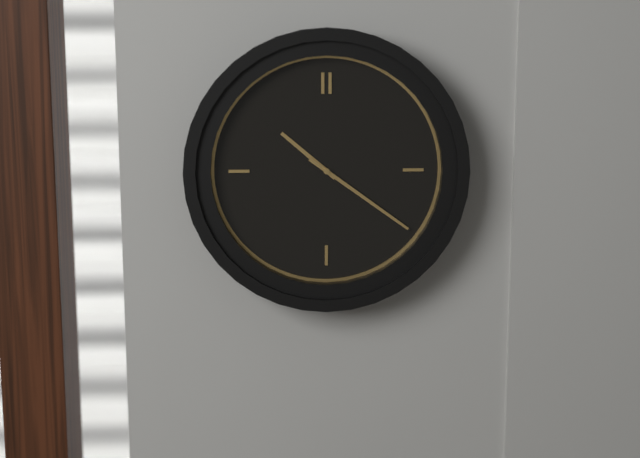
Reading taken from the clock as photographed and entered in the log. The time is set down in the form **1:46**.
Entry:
**10:21**
